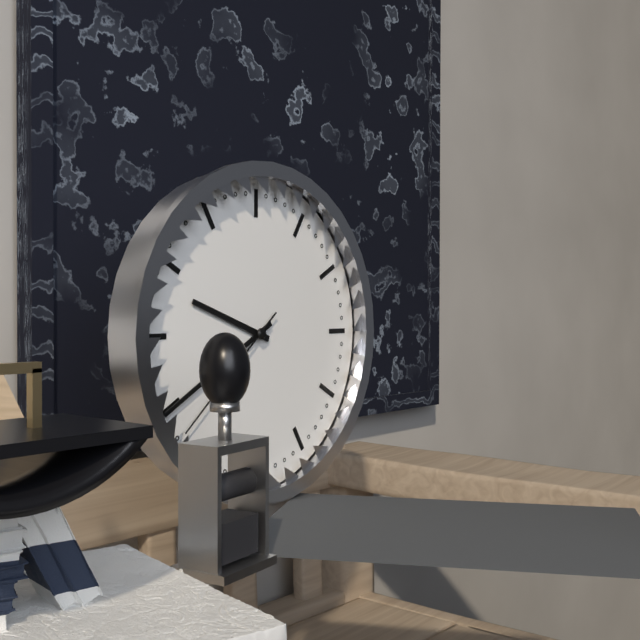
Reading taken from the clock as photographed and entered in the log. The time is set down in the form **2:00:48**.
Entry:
**9:40:38**
